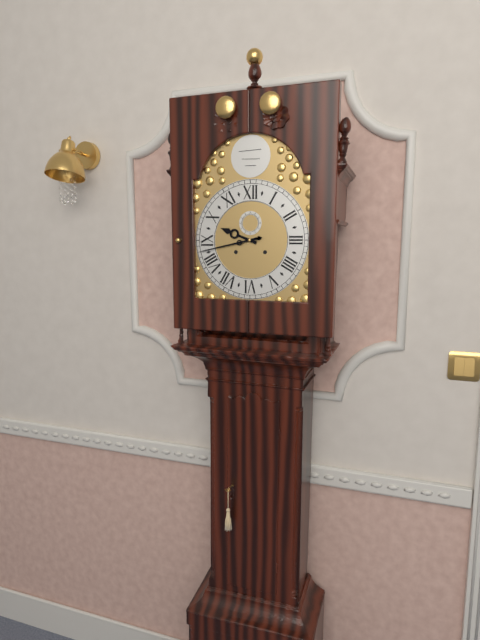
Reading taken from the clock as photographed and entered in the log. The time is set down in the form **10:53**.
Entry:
**9:43**
